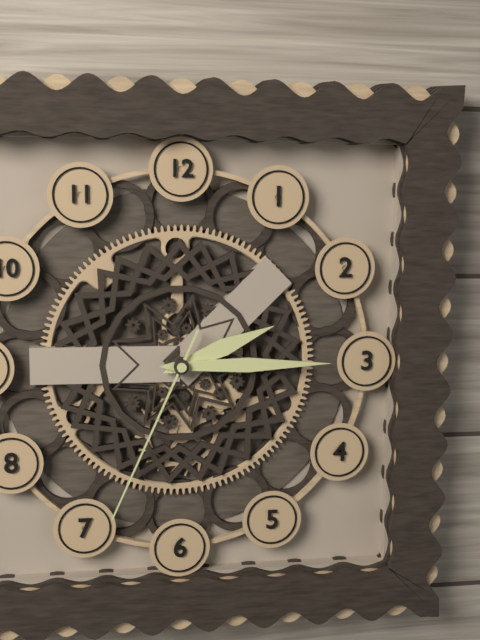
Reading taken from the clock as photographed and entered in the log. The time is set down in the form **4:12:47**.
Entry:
**2:15:34**
